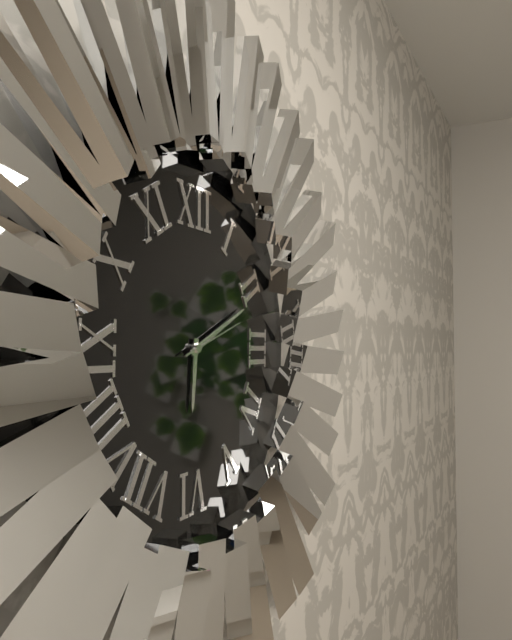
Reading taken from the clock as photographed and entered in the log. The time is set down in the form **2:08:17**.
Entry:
**6:11:12**
